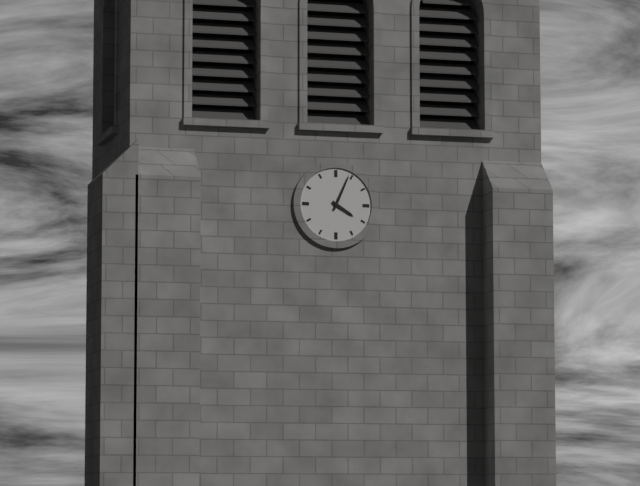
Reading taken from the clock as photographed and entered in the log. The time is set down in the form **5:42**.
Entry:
**4:04**
